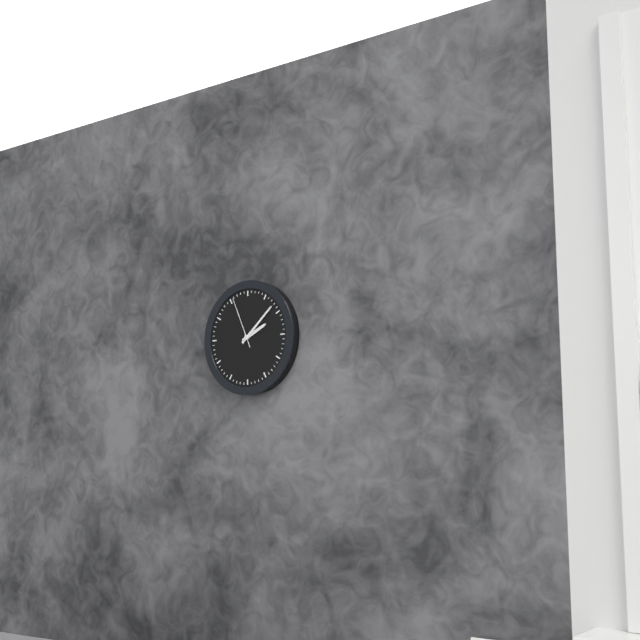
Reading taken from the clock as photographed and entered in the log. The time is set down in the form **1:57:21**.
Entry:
**2:08:56**
